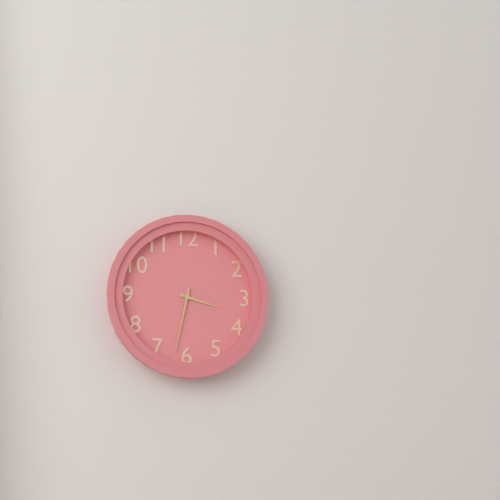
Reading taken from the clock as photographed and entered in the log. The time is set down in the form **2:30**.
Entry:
**3:32**
